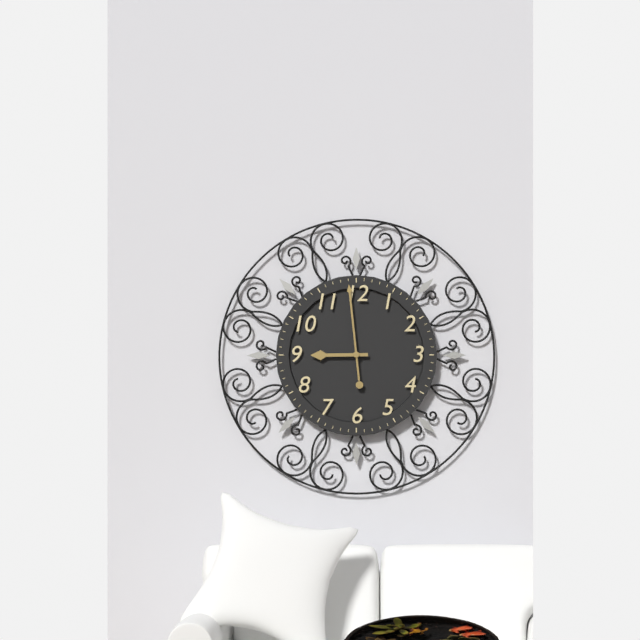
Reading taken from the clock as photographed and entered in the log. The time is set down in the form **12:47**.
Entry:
**8:59**
